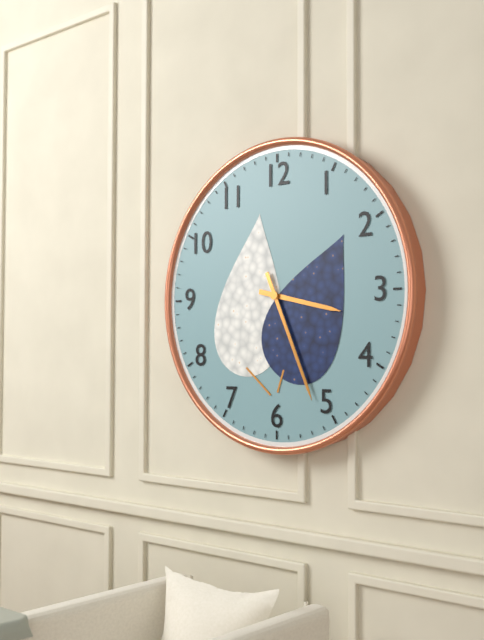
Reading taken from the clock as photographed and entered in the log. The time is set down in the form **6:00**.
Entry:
**3:26**
